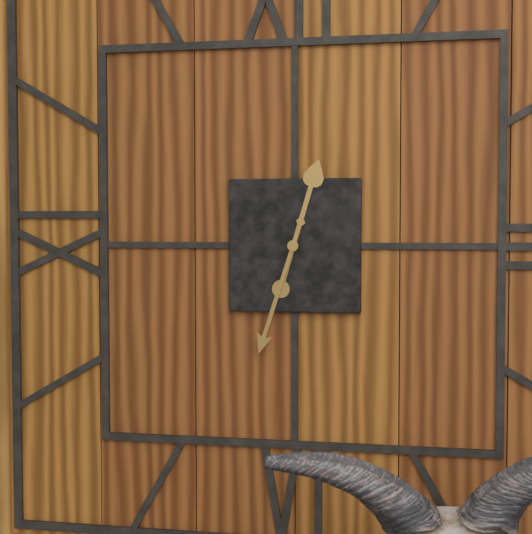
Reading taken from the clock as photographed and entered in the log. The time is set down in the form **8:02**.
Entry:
**12:33**
